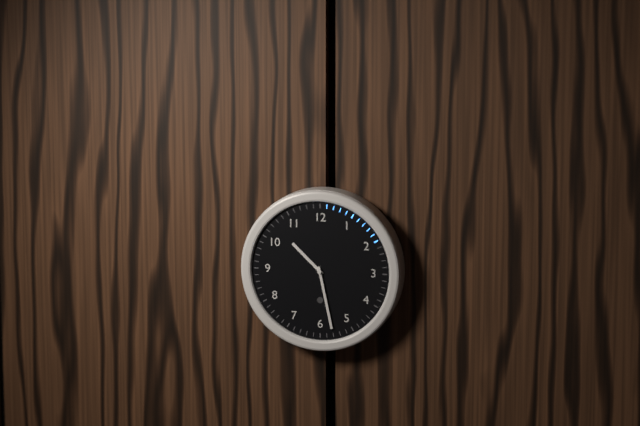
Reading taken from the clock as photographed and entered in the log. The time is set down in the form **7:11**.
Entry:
**10:28**
